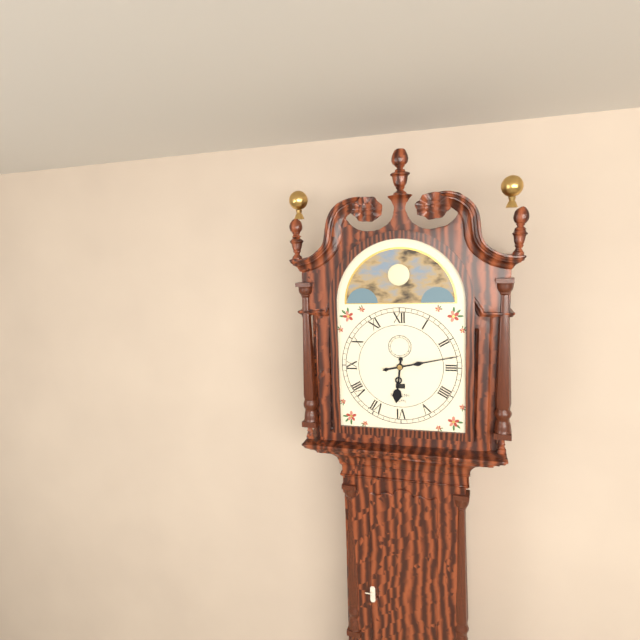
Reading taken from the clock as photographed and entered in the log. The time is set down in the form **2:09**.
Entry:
**6:13**
